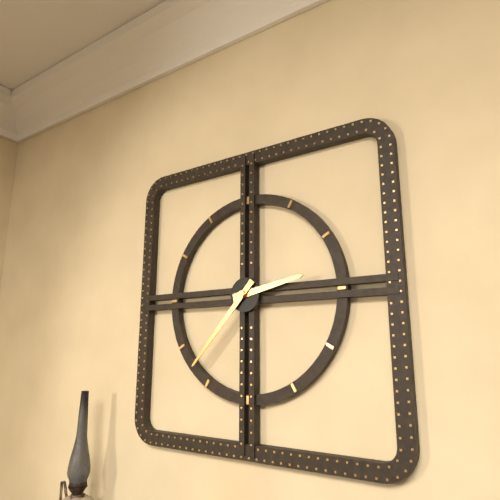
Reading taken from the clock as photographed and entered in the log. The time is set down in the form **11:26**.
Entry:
**2:37**
